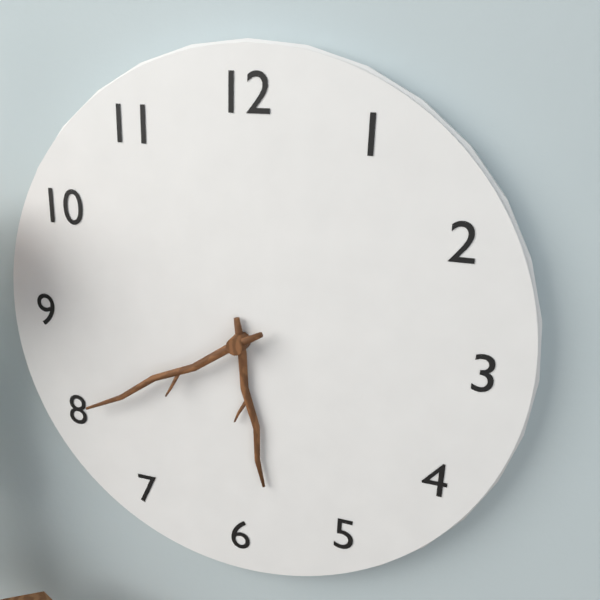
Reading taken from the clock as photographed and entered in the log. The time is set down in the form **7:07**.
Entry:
**5:40**
